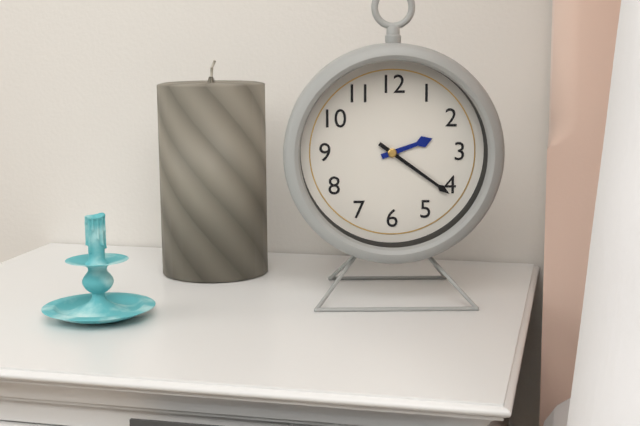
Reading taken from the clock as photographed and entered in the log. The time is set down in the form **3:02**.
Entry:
**2:21**
